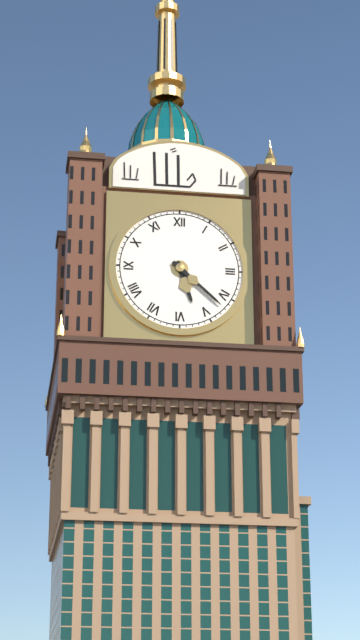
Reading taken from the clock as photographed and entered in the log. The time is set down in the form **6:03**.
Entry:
**5:22**
